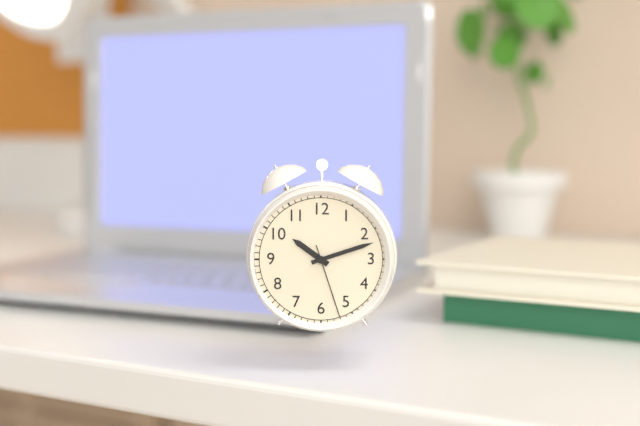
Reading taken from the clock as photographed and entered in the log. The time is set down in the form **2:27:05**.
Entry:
**10:12:27**
